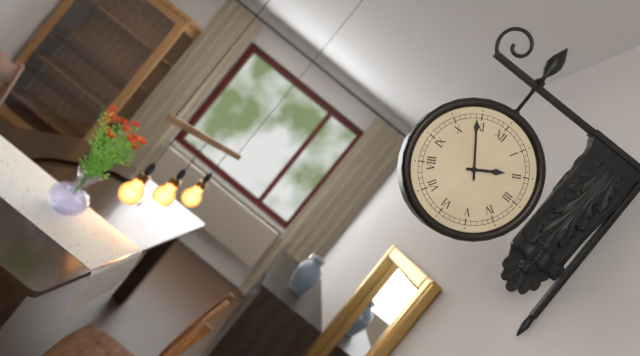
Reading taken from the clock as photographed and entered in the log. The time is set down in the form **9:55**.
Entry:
**1:54**
